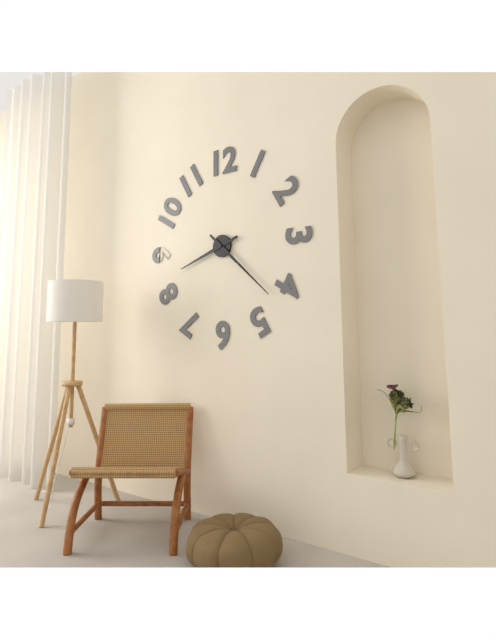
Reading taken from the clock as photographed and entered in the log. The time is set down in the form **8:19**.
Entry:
**8:22**
